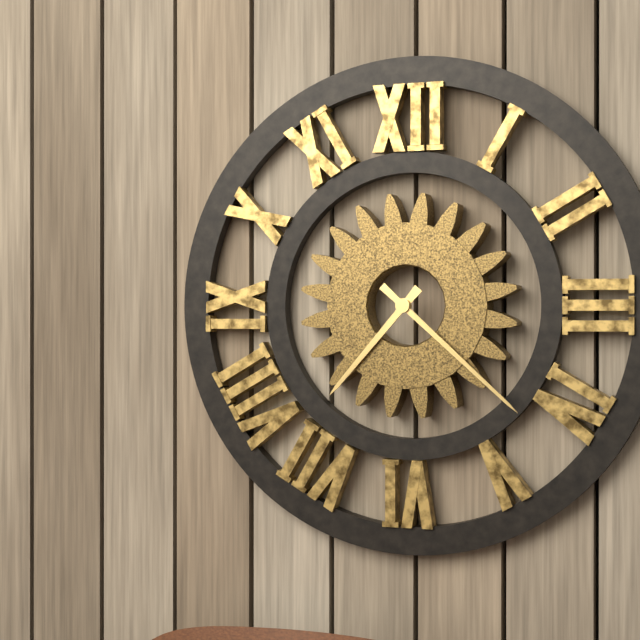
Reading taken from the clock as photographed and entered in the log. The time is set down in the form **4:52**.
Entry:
**7:22**
